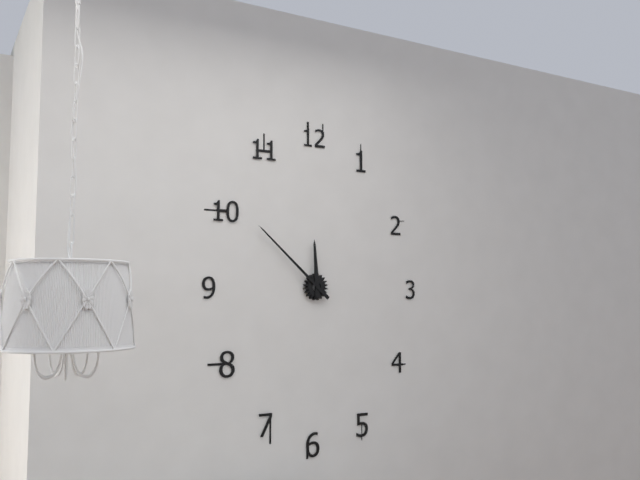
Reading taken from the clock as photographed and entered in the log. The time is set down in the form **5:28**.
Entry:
**11:52**
